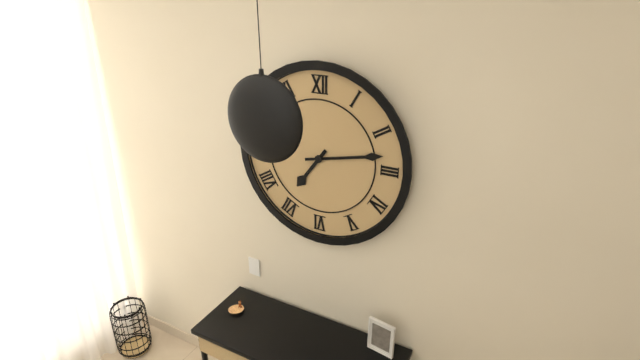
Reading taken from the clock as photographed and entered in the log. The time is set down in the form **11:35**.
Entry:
**7:13**
